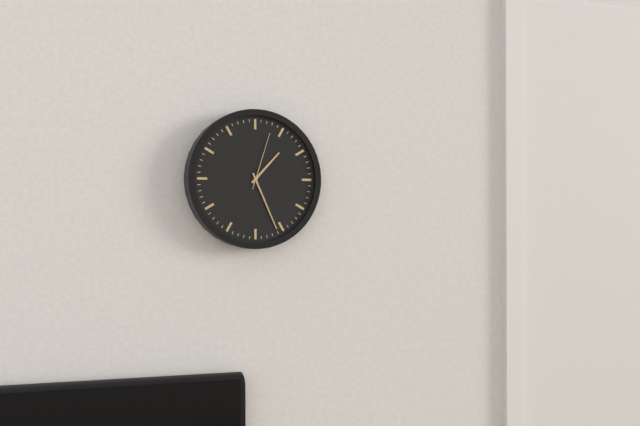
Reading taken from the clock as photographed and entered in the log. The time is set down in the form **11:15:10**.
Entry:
**1:26:03**
